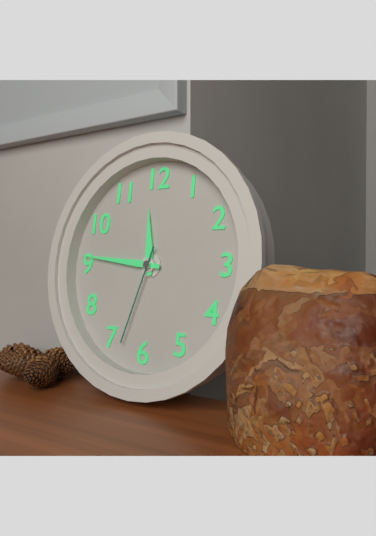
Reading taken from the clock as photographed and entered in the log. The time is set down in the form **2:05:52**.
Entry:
**11:46:33**
